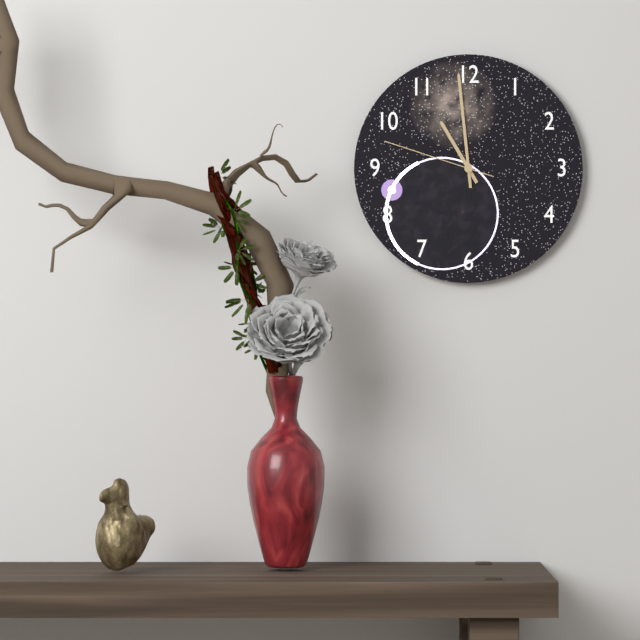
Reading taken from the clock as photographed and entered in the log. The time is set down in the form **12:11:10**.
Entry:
**10:59:48**
